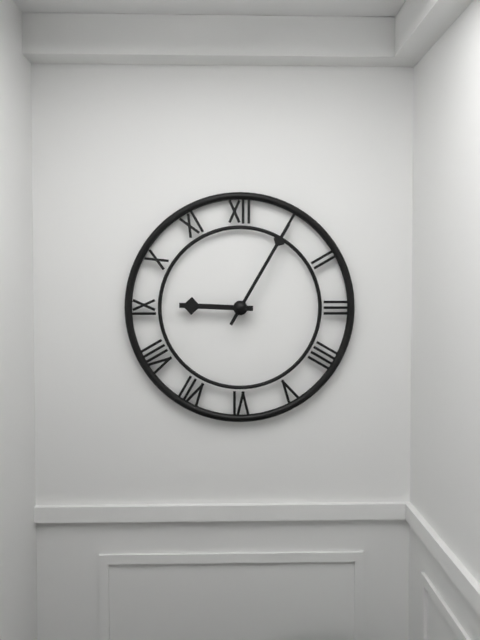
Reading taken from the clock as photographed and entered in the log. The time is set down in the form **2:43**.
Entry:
**9:05**
